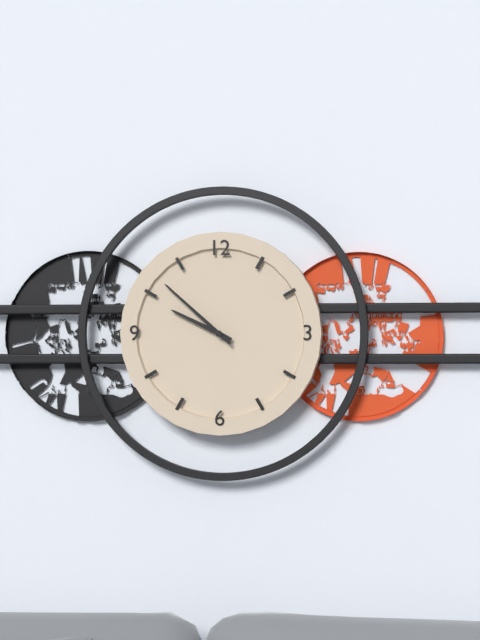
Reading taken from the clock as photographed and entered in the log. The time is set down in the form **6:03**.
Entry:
**9:52**
